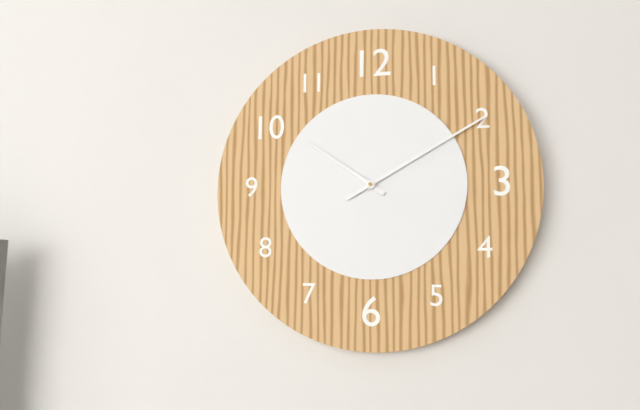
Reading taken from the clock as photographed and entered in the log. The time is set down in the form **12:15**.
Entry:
**10:10**
